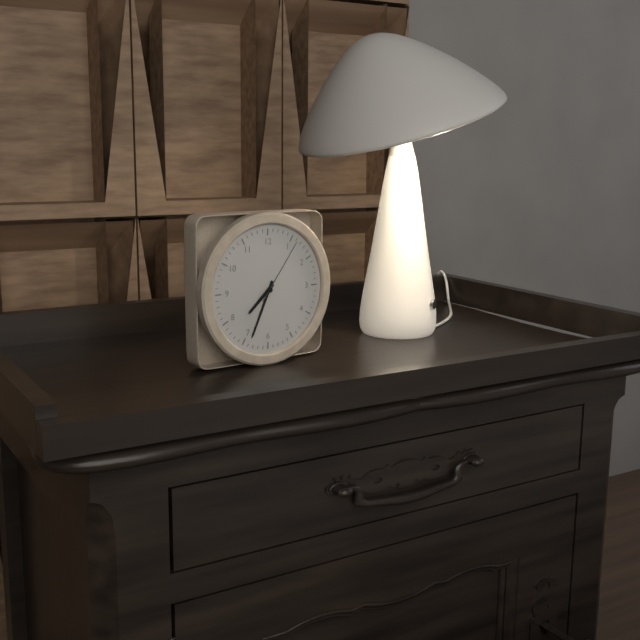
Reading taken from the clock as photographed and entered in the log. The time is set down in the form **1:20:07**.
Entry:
**7:34:06**
